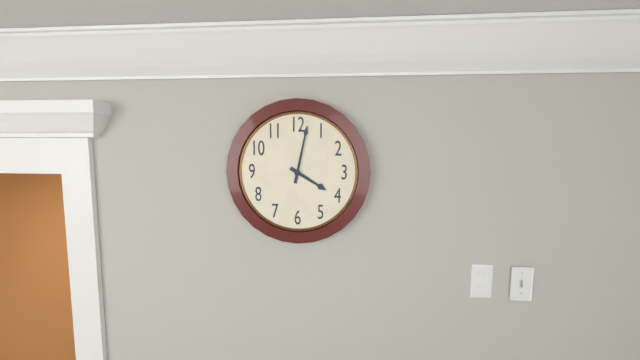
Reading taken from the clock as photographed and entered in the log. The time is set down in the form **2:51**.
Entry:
**4:02**
